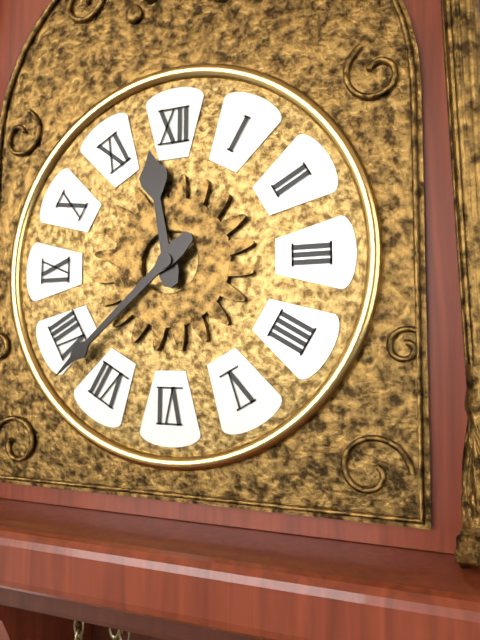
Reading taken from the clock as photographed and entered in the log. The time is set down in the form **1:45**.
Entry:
**11:38**
